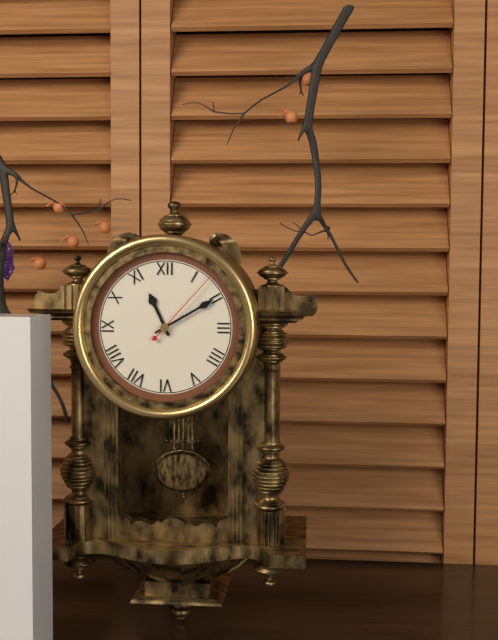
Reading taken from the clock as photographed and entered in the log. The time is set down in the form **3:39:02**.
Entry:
**11:10:07**
